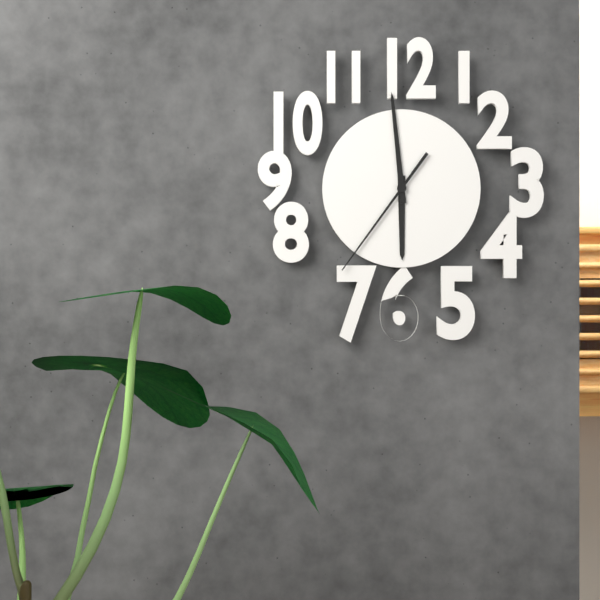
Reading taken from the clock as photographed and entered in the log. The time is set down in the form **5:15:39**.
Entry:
**5:59:36**
